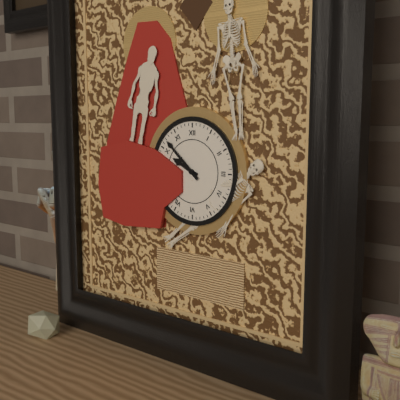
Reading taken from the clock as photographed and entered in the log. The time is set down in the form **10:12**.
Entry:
**9:52**
